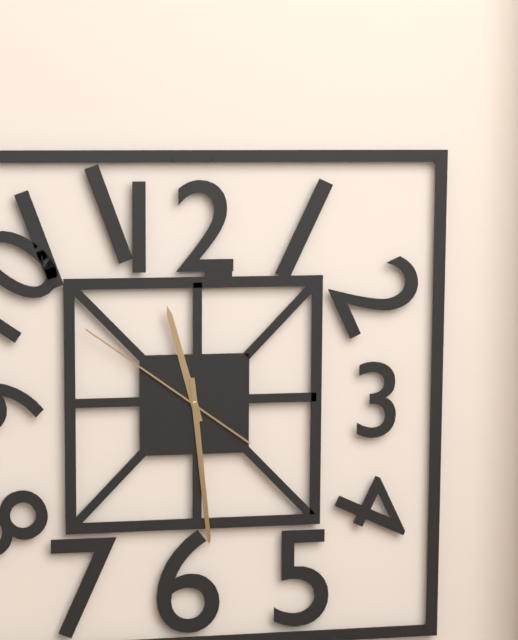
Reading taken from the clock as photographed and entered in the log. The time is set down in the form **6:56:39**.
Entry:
**11:29:51**
